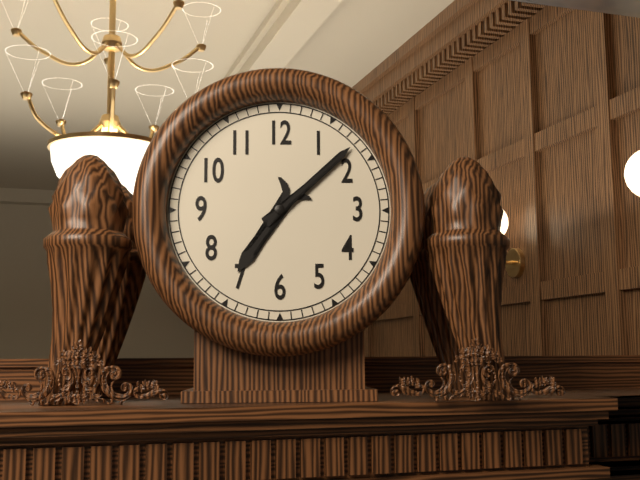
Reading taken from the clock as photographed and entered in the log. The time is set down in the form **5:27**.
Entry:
**7:08**
